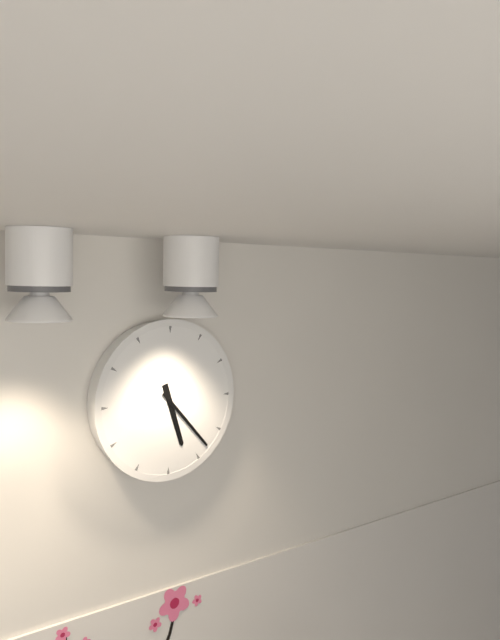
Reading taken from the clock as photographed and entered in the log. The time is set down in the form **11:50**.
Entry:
**5:23**
